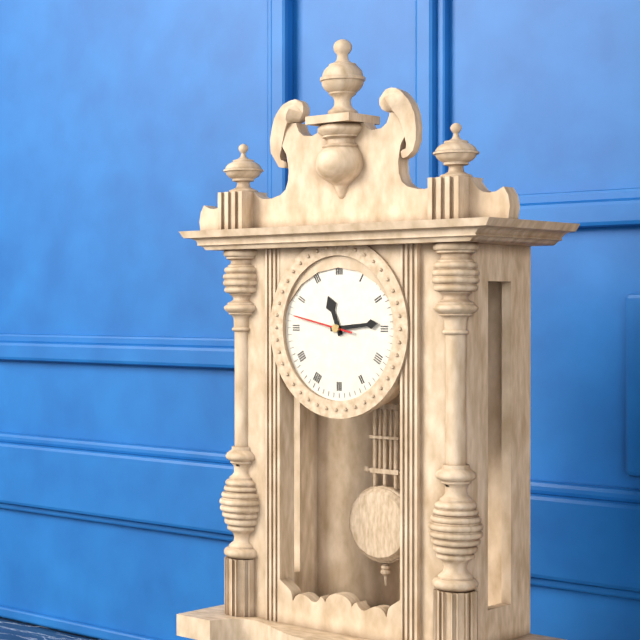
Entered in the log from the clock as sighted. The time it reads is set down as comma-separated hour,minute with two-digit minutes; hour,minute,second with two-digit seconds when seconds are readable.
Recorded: 11,14,47
